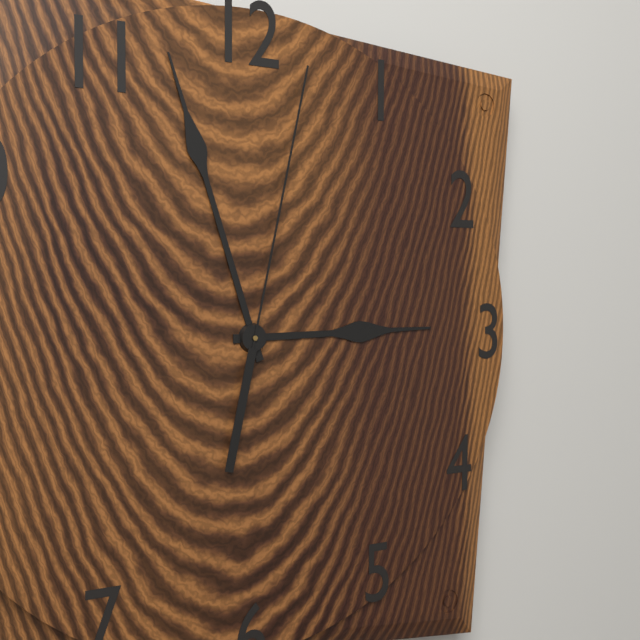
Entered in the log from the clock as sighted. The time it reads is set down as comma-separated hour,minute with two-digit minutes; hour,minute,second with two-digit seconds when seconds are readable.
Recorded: 2,57,02
